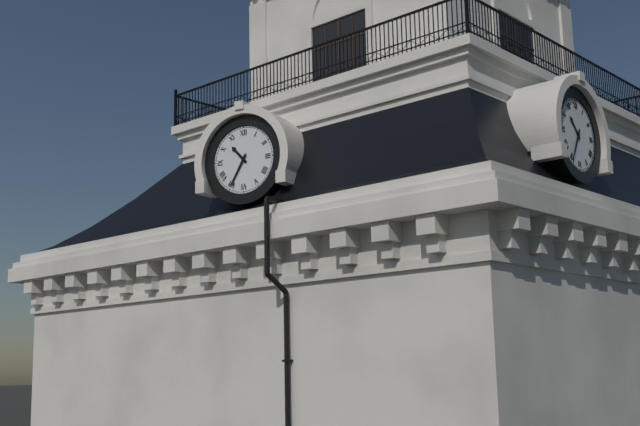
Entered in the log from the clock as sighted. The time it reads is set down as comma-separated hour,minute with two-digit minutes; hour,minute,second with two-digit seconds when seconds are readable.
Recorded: 10,35
